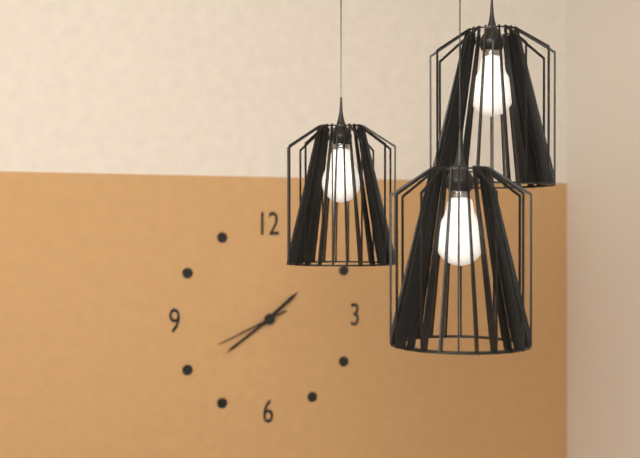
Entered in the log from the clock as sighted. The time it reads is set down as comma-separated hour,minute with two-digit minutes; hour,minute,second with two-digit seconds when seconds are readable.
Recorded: 1,39,41
